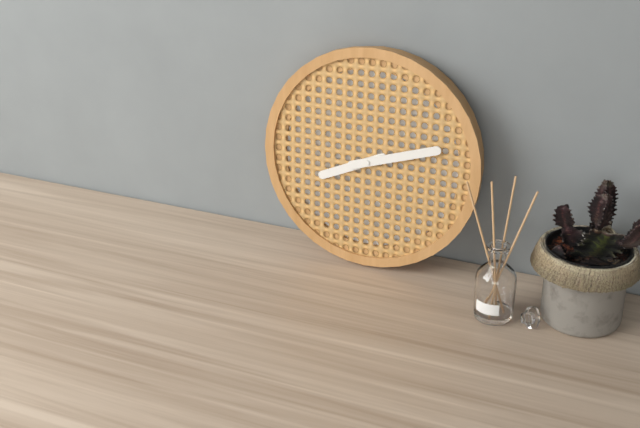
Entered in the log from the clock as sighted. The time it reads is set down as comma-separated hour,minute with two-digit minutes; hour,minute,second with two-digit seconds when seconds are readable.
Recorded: 8,12
